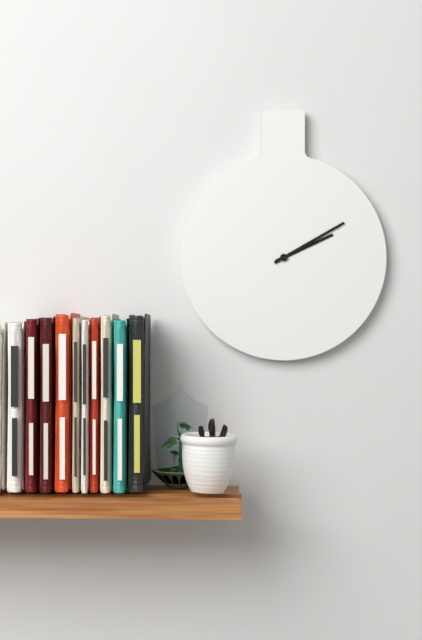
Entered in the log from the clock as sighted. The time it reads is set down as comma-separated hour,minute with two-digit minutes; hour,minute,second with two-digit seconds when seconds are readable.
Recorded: 2,10
